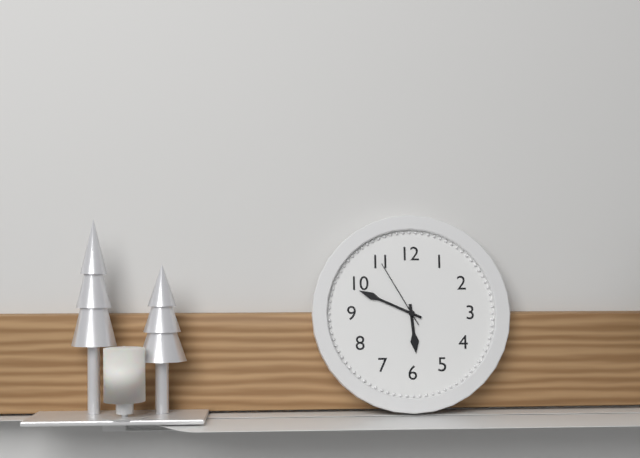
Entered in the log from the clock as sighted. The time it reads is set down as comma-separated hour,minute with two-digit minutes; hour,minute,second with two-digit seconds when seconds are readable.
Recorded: 5,49,55
